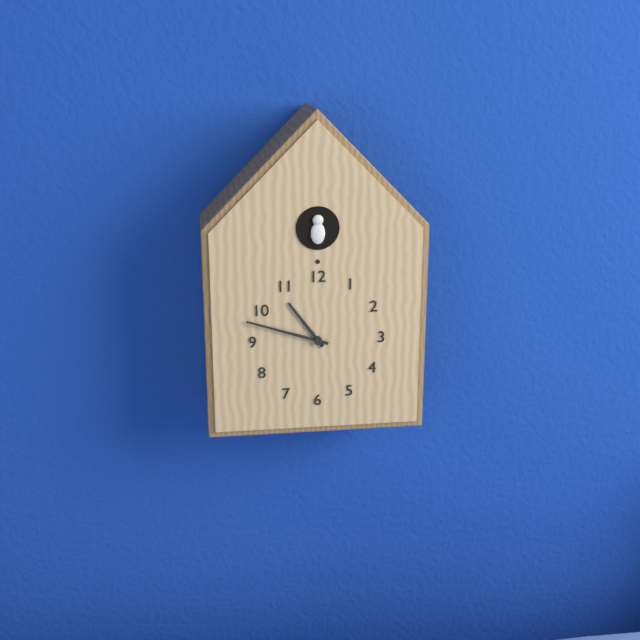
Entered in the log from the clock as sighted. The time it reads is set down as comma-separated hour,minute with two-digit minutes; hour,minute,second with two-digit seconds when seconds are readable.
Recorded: 10,48
